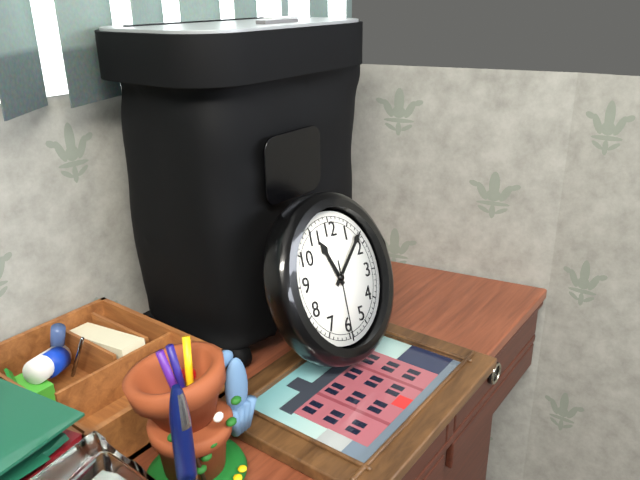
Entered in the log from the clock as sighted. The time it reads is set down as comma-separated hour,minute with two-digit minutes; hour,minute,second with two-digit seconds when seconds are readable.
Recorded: 11,08,30
